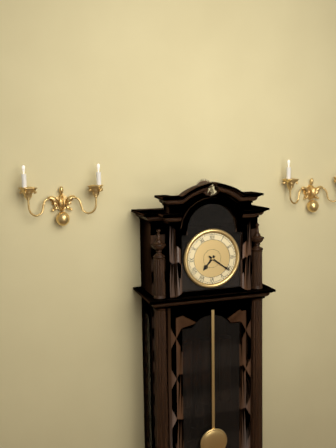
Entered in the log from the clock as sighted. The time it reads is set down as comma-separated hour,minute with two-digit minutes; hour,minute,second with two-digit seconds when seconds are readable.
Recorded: 7,21
